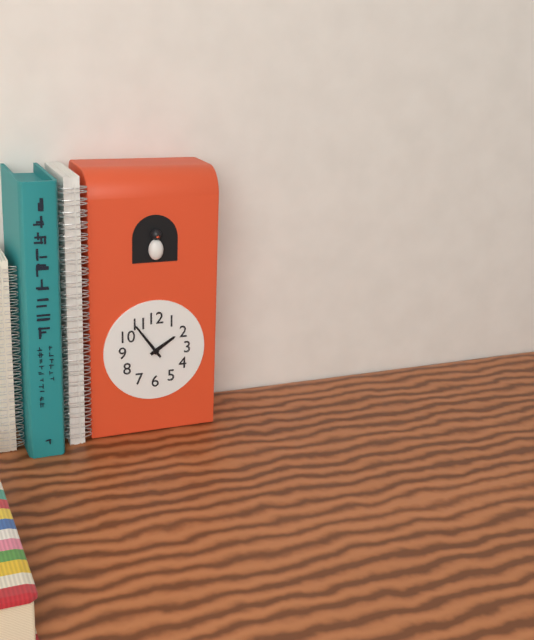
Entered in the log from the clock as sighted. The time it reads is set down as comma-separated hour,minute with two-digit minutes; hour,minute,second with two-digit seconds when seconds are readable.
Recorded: 1,54
